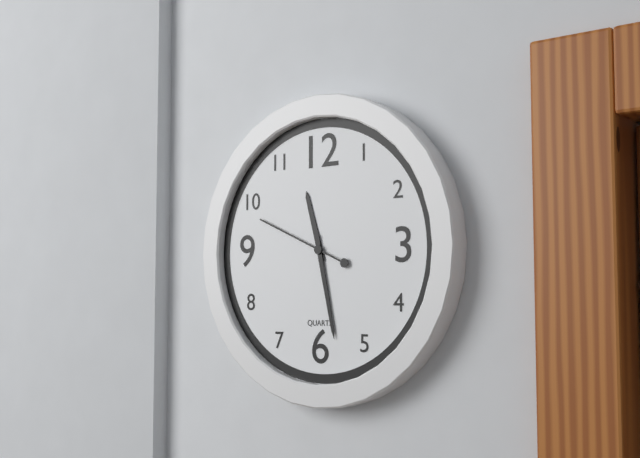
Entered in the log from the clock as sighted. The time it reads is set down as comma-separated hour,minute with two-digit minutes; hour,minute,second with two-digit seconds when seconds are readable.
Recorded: 11,28,49
